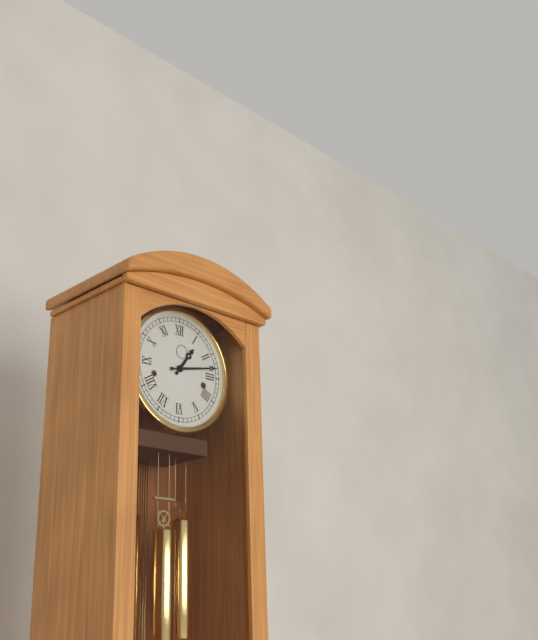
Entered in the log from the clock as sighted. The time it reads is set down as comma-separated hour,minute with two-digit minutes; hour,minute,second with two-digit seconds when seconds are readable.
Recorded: 1,13
